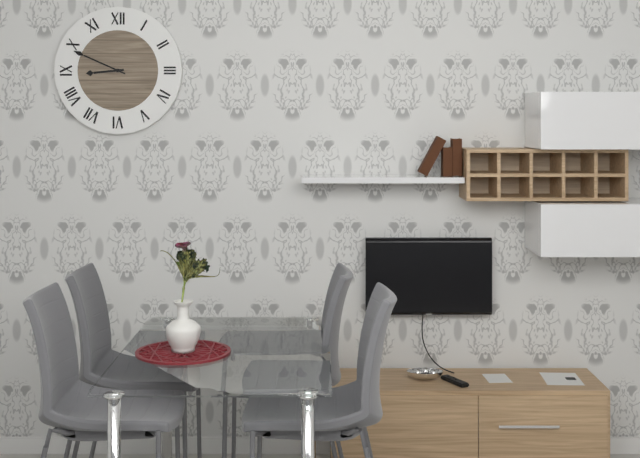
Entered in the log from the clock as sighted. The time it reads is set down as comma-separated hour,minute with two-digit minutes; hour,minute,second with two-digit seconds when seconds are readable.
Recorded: 8,49
